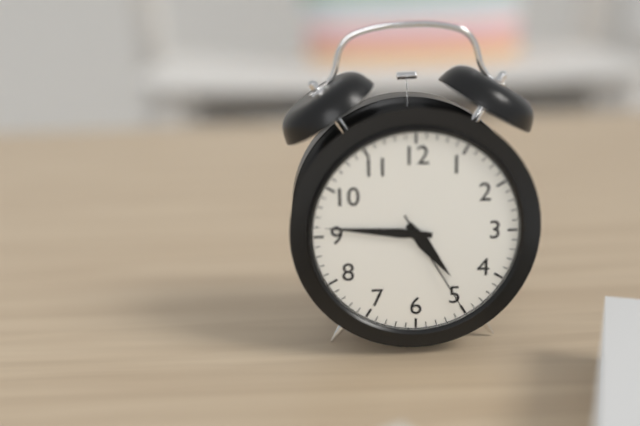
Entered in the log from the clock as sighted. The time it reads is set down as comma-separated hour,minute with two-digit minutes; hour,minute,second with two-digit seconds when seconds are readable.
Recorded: 4,46,25
